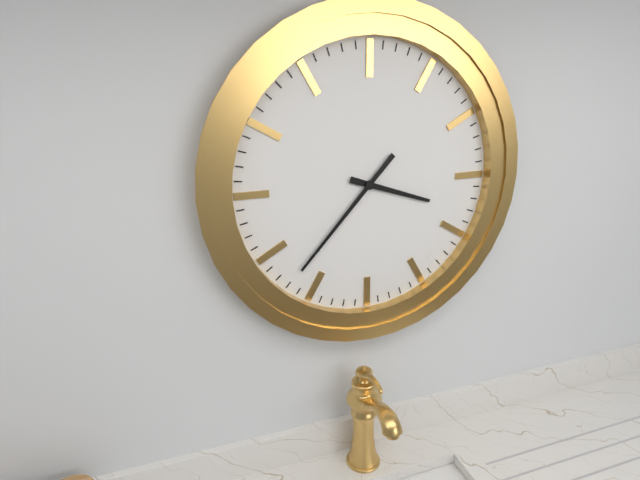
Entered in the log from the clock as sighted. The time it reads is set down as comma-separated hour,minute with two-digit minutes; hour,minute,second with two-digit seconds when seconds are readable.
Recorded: 3,37
